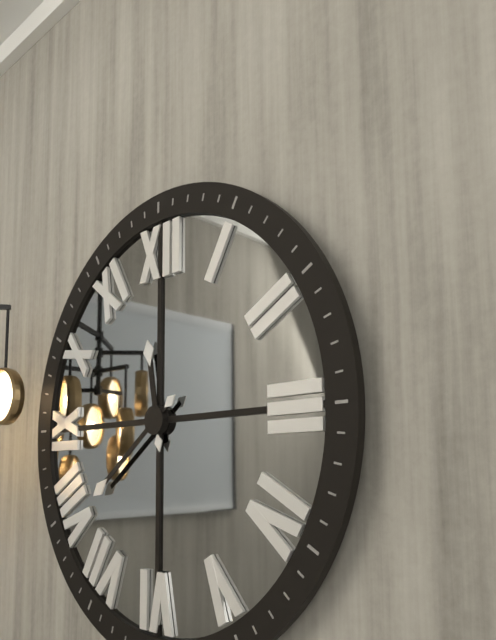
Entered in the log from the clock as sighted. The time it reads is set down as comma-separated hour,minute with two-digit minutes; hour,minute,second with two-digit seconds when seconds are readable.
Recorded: 11,39
